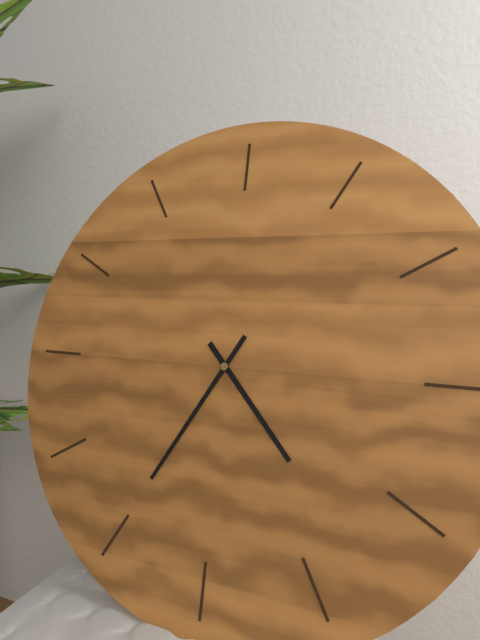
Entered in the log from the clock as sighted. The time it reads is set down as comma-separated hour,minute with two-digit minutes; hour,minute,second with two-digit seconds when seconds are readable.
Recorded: 4,35
